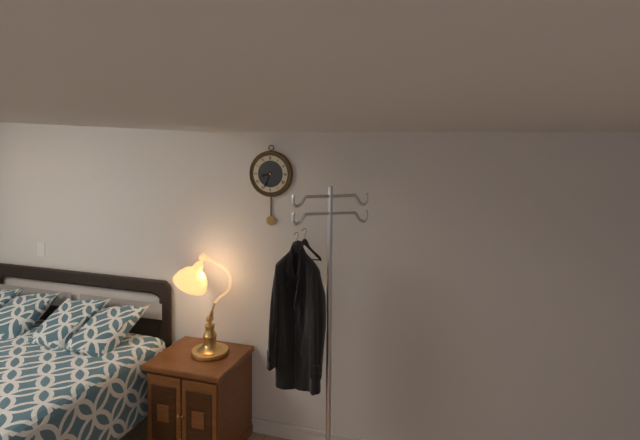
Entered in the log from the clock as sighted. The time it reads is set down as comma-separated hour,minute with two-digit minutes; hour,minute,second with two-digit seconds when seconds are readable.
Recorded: 8,34
